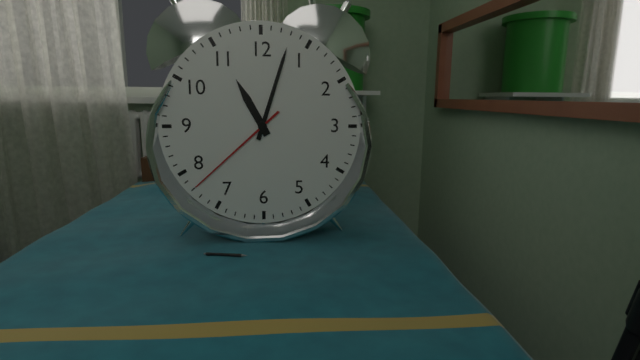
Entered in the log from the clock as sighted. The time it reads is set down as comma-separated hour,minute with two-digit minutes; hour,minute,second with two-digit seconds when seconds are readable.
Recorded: 11,03,38
